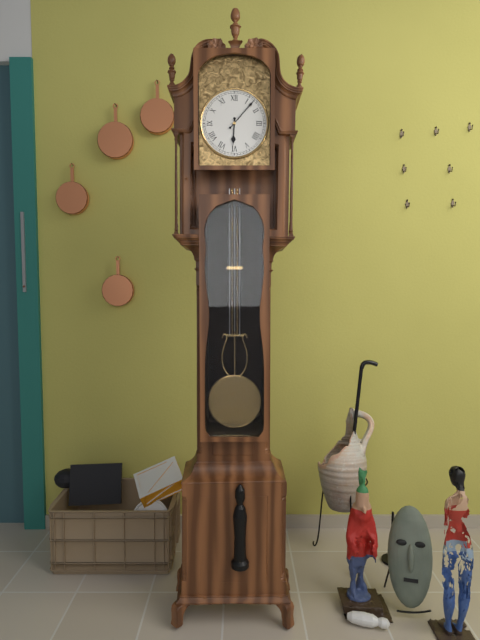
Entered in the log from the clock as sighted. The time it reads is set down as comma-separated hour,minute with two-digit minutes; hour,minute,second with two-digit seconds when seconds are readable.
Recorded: 6,07
